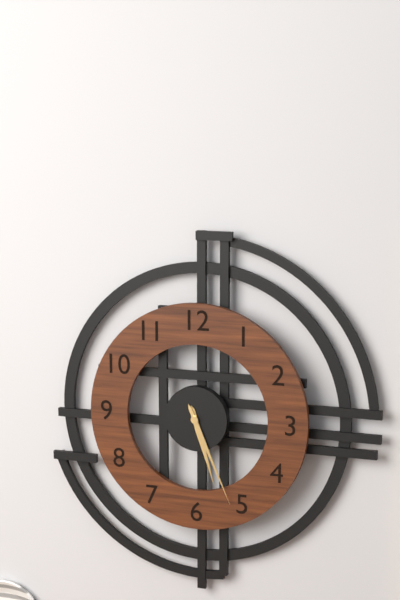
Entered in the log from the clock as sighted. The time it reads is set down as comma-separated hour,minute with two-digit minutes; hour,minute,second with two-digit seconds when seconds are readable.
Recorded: 5,26
